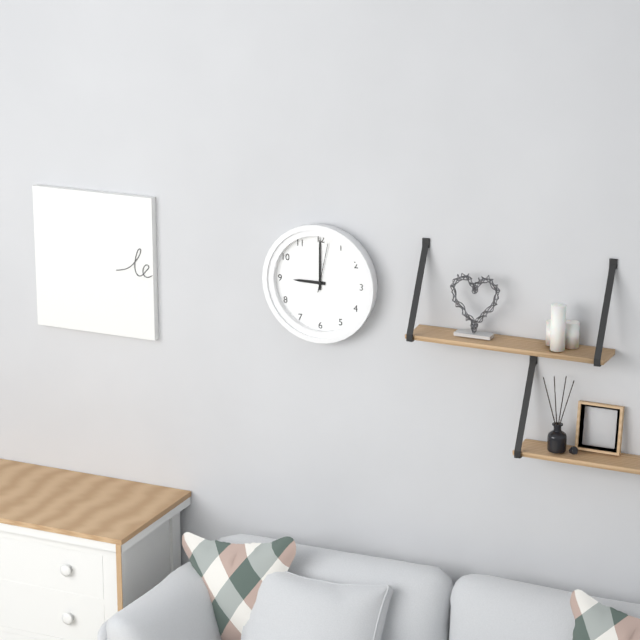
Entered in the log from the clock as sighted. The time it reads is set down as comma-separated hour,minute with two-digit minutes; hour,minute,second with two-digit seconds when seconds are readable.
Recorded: 9,00,02
